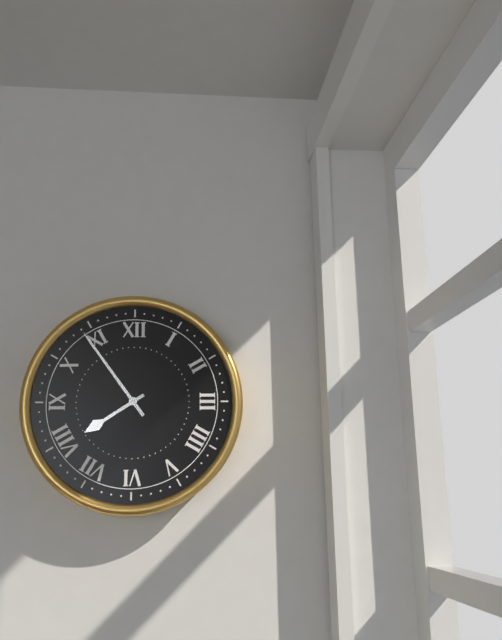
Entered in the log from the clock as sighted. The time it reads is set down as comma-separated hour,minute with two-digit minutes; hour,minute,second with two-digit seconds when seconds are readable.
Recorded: 7,54
